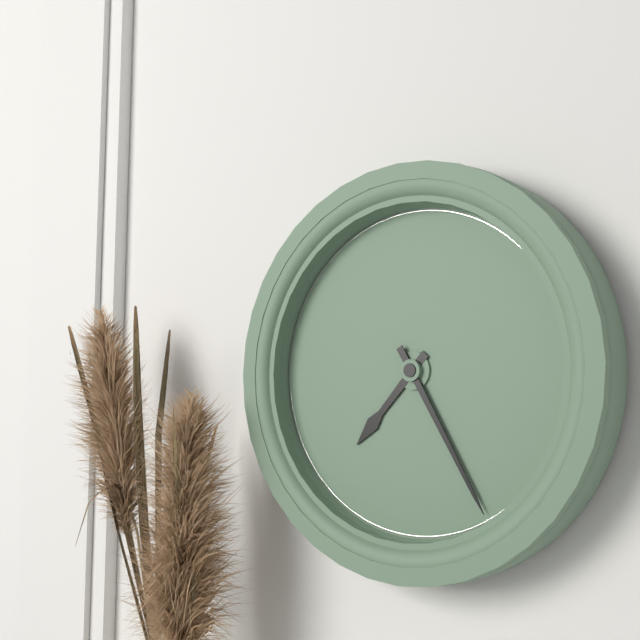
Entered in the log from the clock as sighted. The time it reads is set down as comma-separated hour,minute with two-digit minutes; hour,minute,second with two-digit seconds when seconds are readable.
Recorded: 7,25
